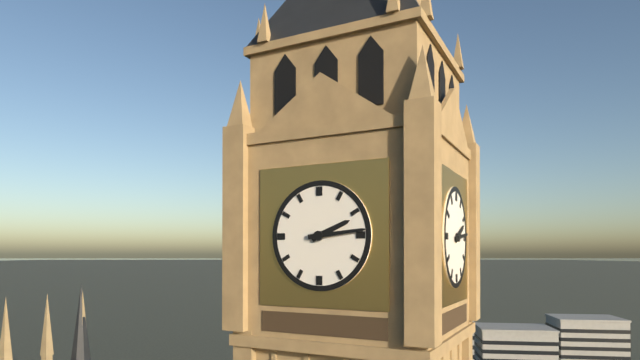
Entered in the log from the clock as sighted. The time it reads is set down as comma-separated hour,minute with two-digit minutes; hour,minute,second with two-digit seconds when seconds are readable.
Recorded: 2,14
